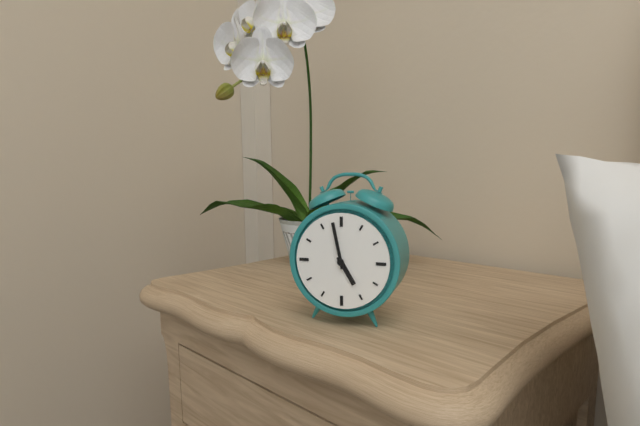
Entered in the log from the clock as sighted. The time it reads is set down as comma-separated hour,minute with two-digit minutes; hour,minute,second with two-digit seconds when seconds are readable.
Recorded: 4,58
